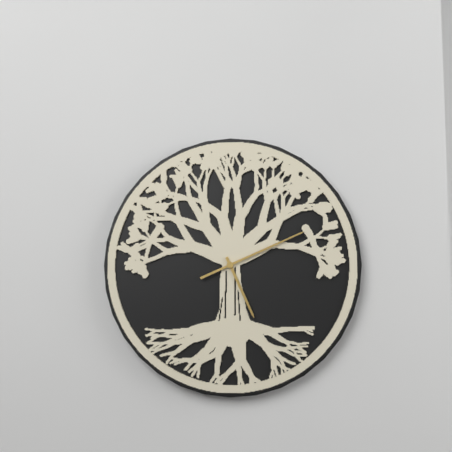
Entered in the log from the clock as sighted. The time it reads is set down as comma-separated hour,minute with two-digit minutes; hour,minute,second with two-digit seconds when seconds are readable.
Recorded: 5,11
